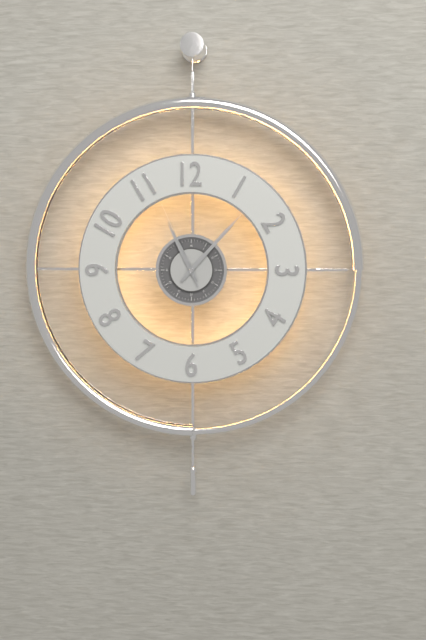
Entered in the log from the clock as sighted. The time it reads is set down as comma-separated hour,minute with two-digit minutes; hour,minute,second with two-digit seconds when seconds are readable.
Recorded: 11,07,56
